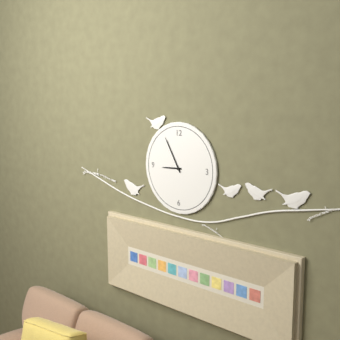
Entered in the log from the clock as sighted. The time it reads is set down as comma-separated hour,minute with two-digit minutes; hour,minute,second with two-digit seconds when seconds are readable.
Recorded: 8,55
